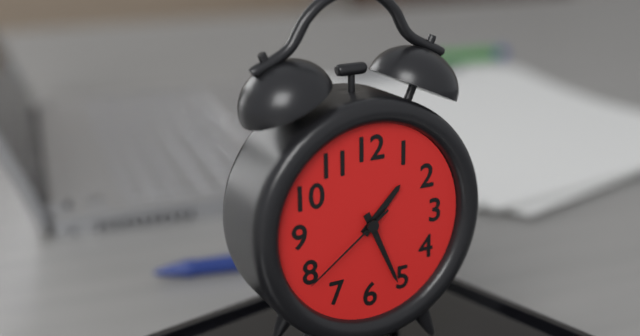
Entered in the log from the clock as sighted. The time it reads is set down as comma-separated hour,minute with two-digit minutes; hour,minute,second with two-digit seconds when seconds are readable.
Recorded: 1,26,39
